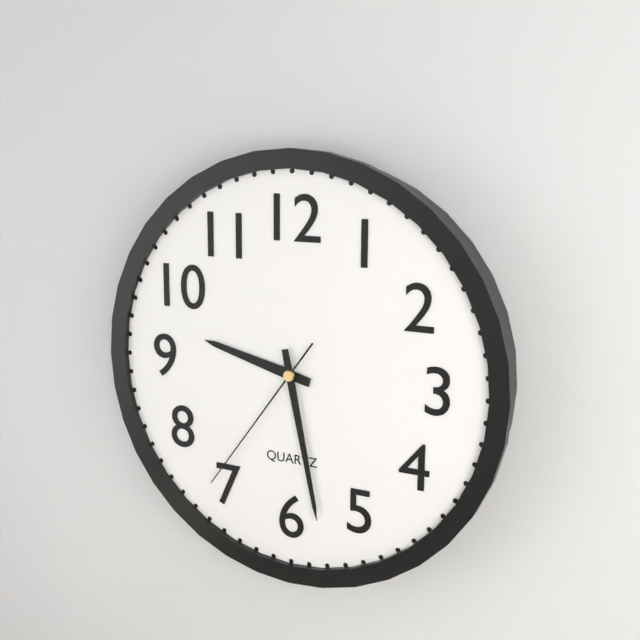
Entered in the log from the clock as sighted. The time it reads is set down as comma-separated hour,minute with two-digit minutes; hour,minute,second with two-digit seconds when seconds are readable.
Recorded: 9,28,36
